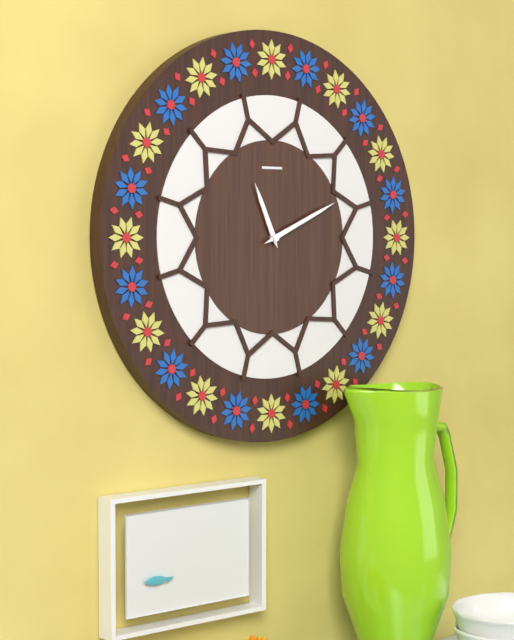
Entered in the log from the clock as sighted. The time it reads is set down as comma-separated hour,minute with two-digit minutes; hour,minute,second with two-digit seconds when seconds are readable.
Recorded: 11,11
